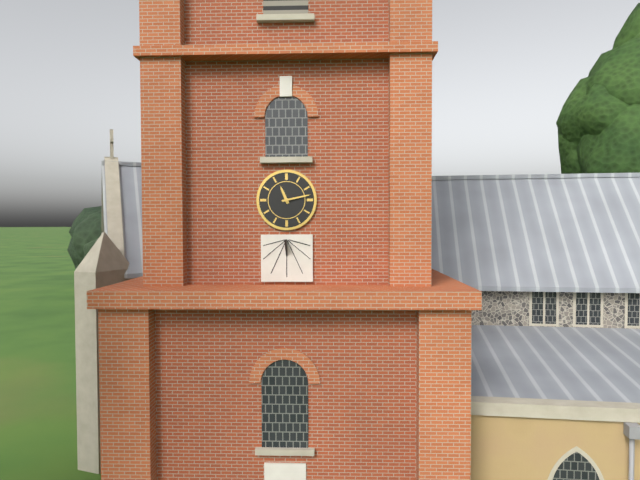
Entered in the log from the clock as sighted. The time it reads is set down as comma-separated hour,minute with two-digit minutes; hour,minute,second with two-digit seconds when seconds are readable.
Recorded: 11,13
